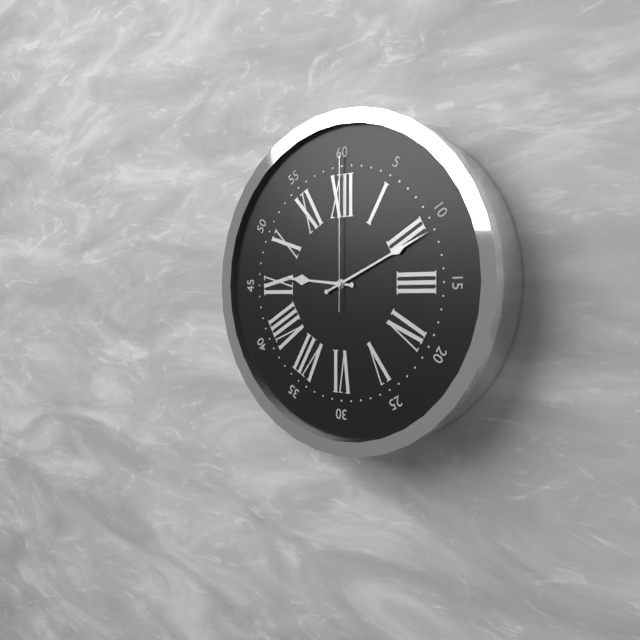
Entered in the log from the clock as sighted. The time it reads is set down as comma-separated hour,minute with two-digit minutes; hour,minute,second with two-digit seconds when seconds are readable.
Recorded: 9,11,00
